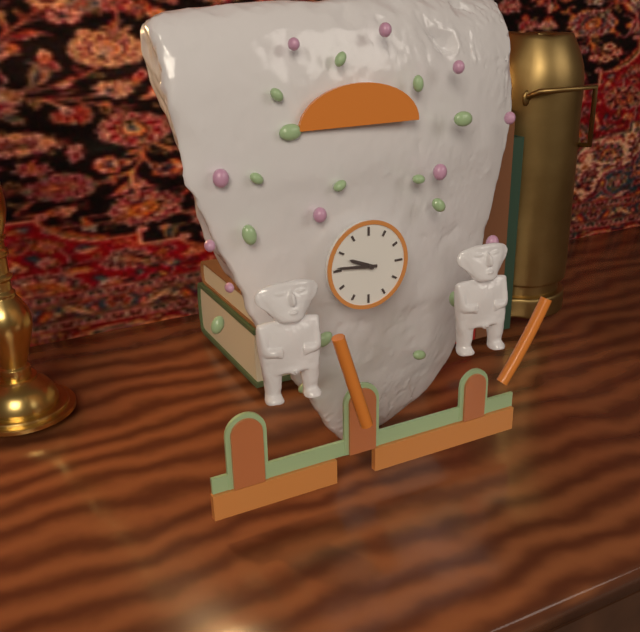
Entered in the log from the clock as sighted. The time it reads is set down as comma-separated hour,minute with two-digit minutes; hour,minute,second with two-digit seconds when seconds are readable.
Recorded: 9,46
